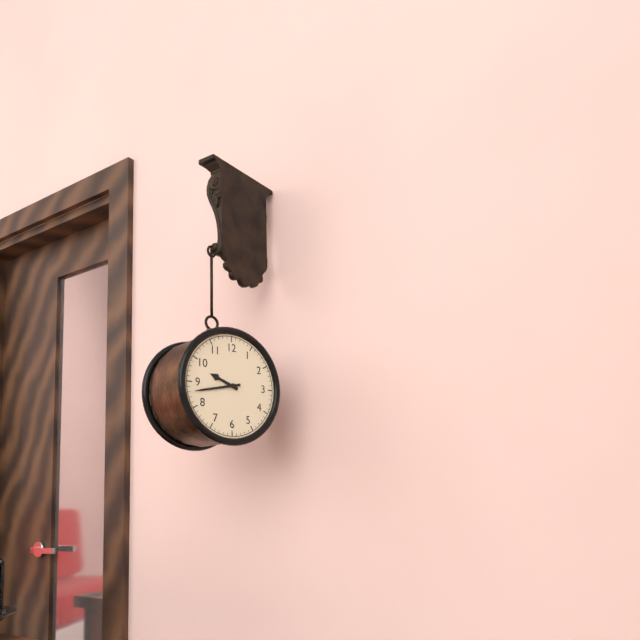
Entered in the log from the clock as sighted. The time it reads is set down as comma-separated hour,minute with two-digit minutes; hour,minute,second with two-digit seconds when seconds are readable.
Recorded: 9,43
